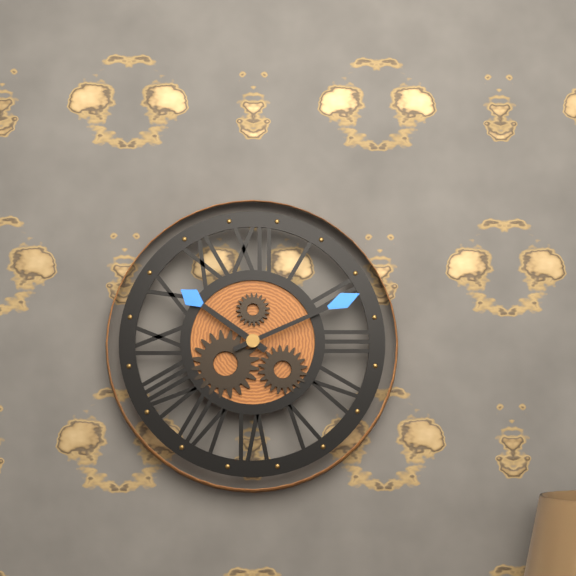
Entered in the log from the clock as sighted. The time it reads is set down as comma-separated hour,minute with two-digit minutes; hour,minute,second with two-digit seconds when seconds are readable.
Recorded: 10,11
